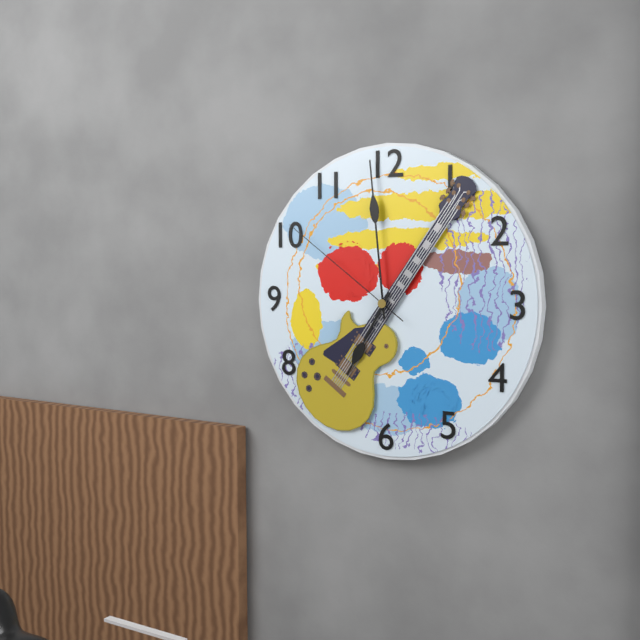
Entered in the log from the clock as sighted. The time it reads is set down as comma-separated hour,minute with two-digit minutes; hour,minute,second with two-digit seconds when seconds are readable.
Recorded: 6,59,51
